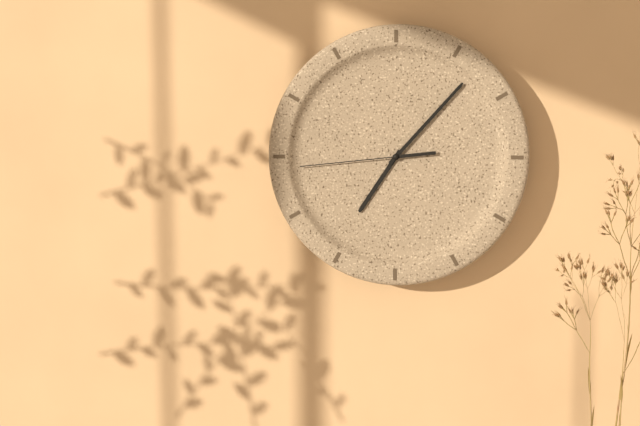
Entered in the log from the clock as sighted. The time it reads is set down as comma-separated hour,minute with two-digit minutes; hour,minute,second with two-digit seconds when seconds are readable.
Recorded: 7,07,44
